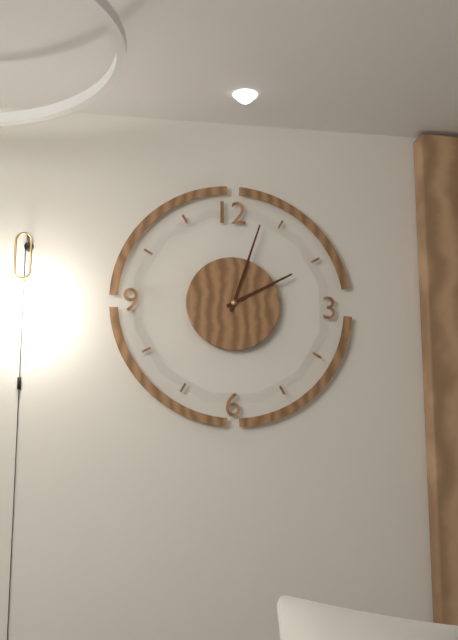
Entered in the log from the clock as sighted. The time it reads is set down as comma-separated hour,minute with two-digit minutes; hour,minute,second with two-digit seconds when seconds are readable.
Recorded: 2,03
